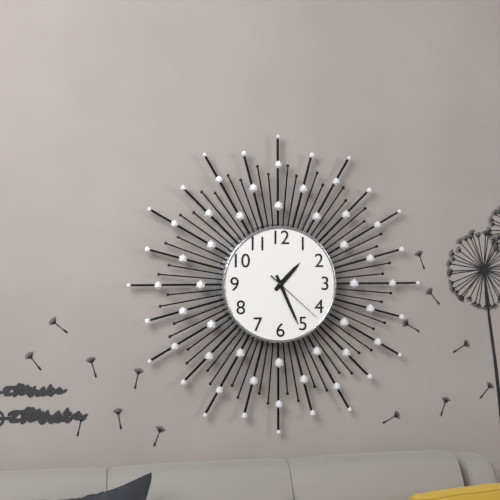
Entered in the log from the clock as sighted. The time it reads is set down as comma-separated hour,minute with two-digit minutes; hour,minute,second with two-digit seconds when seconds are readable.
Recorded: 1,26,22
